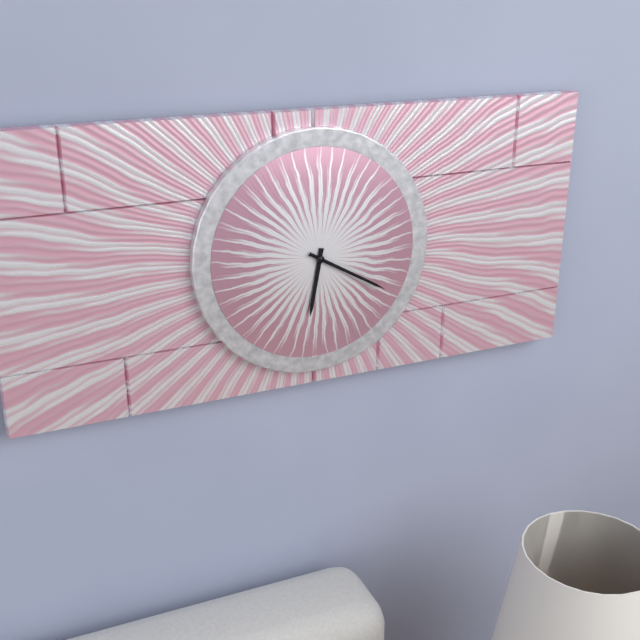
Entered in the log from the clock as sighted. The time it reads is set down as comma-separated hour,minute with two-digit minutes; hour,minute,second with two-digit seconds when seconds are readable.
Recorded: 6,20
